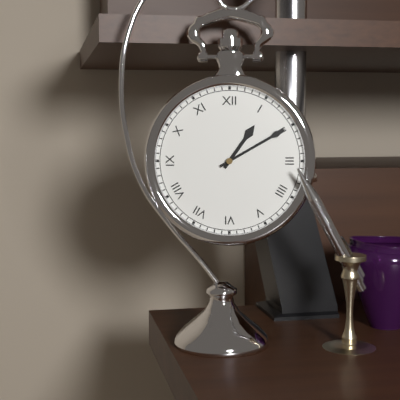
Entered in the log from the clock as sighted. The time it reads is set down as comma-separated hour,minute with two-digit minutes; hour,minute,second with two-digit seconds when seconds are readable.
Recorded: 1,10
